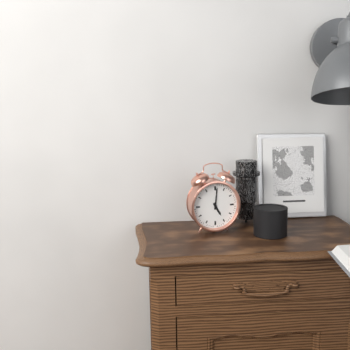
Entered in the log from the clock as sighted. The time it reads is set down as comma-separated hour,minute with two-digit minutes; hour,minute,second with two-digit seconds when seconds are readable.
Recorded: 5,01
